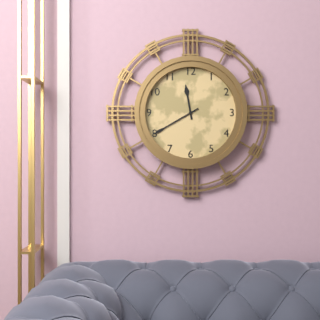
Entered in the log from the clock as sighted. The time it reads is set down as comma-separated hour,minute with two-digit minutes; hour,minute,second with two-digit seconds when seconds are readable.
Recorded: 11,40
